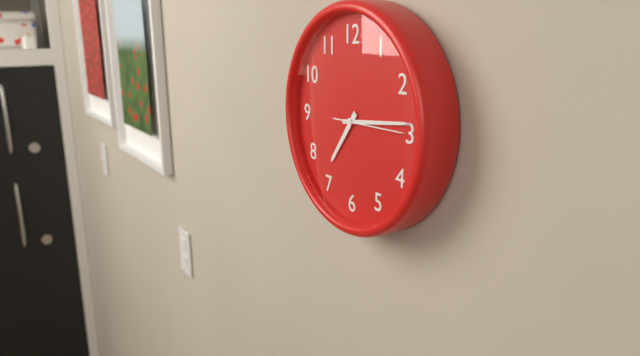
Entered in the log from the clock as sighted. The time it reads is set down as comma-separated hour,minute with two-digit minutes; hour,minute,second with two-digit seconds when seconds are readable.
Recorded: 7,14,15
